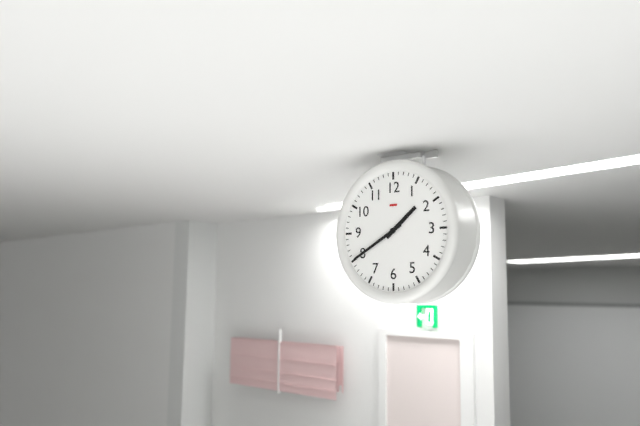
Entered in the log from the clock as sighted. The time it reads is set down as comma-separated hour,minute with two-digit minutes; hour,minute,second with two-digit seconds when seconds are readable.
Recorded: 1,40
